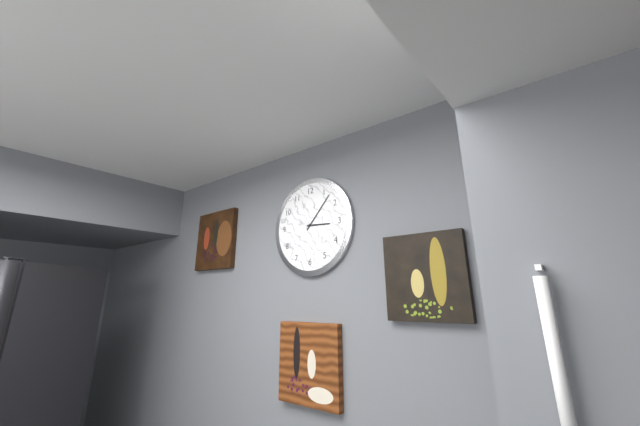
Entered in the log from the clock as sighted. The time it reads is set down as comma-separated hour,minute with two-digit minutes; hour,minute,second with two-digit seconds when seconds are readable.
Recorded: 3,07
